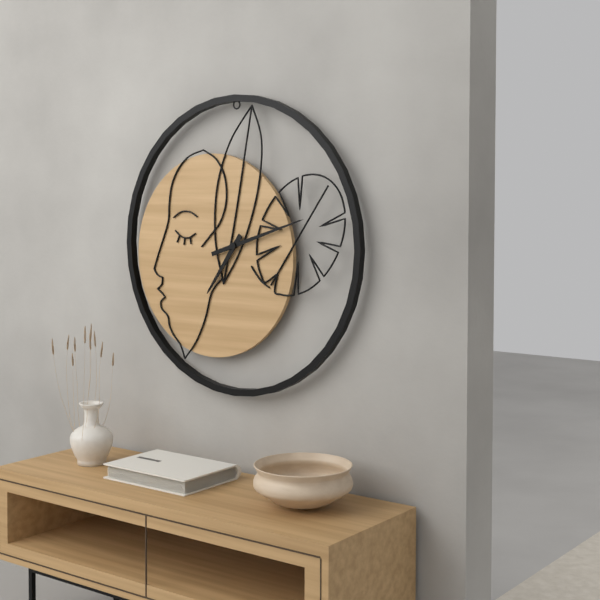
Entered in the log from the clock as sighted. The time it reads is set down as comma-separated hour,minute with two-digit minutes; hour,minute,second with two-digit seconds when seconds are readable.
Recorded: 7,12
